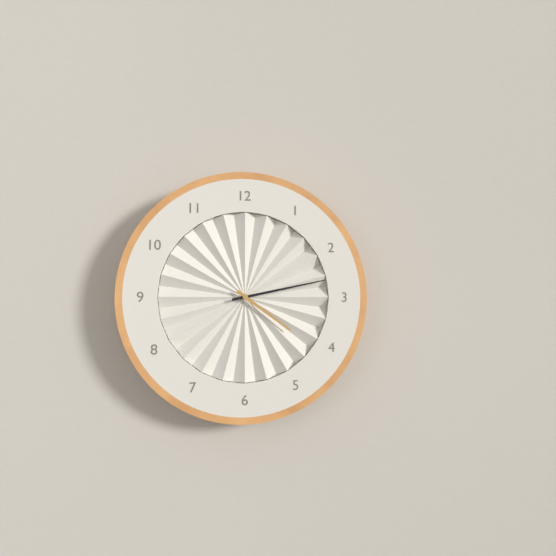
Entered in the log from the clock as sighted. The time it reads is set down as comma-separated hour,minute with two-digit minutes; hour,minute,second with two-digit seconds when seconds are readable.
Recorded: 4,13
